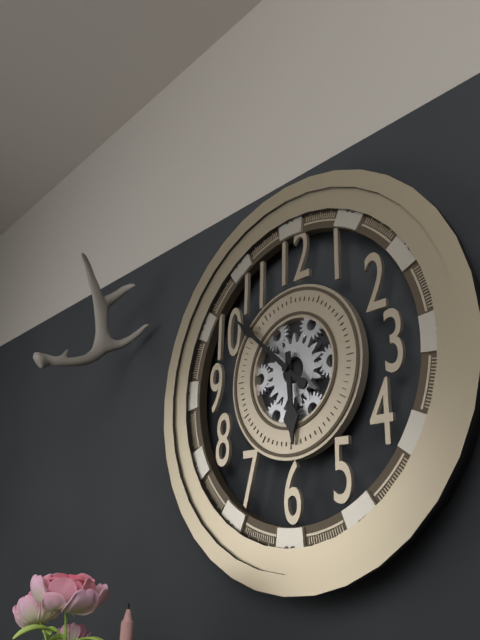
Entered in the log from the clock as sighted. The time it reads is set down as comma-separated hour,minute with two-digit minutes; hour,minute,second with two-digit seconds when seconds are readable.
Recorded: 5,52
